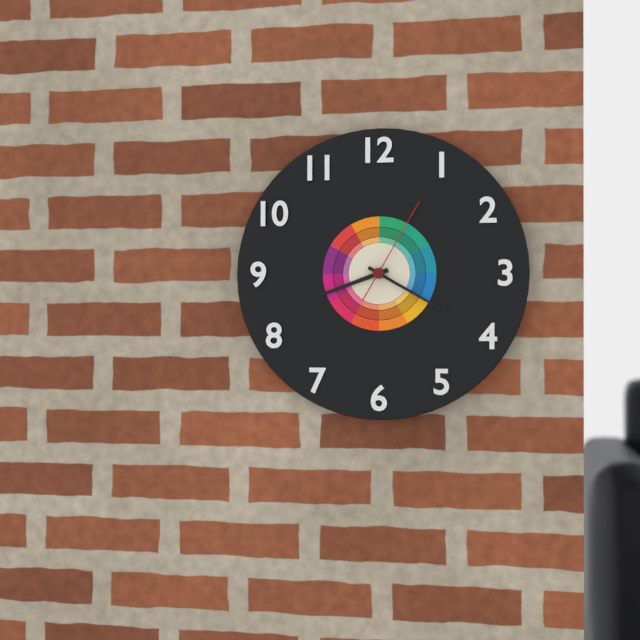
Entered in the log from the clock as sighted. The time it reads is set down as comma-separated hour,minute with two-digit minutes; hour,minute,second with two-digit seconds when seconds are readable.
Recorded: 8,20,05
